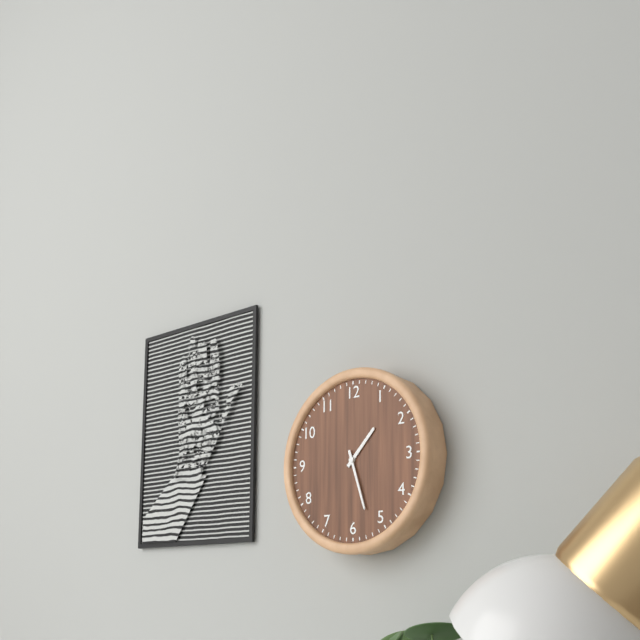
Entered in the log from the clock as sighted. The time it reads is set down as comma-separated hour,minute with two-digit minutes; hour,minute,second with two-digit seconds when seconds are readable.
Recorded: 1,27
